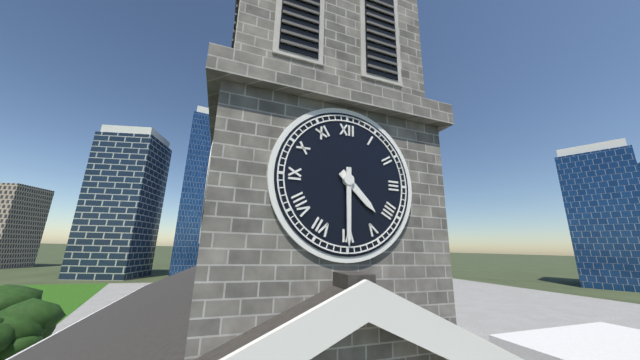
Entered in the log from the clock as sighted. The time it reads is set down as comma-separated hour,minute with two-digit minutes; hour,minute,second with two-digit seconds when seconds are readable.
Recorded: 4,30
